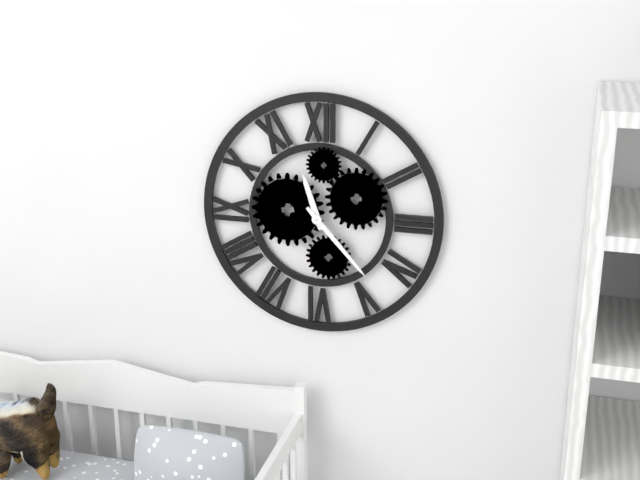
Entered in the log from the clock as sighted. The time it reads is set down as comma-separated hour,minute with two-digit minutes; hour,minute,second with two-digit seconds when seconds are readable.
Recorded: 11,23
